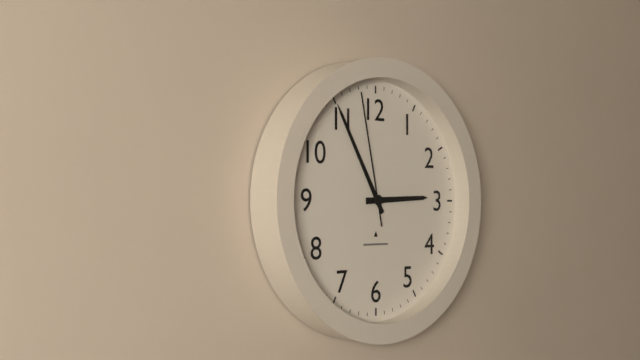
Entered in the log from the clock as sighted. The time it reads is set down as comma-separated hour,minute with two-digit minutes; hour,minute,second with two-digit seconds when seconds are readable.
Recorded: 2,55,58
